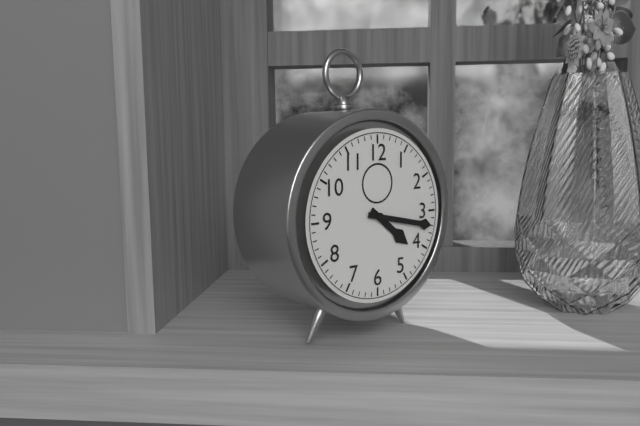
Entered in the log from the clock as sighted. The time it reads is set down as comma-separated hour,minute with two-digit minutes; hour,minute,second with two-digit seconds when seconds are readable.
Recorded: 4,17
